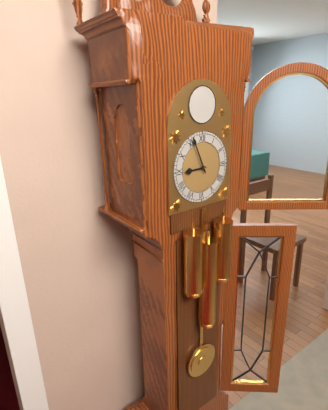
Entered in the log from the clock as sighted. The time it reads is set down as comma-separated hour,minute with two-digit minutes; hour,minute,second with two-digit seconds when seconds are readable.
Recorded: 8,56
